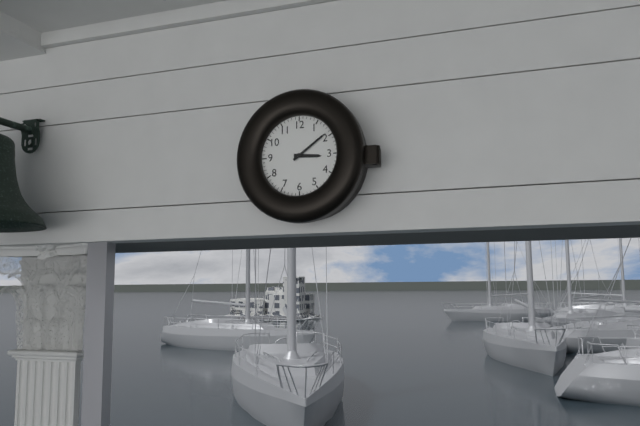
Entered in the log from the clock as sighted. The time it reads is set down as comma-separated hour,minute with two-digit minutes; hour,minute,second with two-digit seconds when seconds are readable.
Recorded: 3,09
